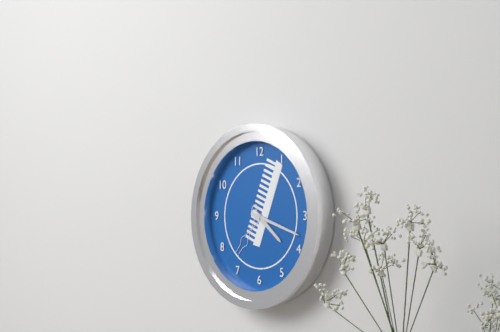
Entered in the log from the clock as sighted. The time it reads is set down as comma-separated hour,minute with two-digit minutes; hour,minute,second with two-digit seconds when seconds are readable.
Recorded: 4,18
